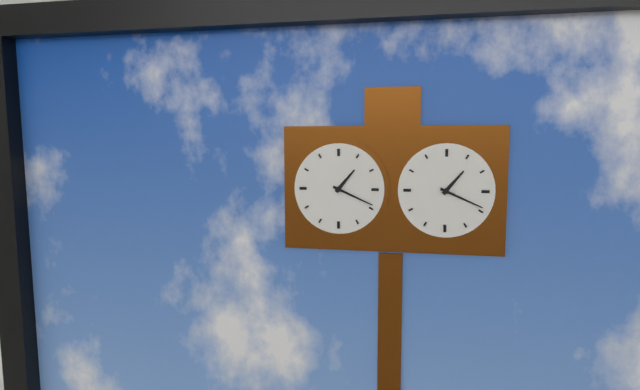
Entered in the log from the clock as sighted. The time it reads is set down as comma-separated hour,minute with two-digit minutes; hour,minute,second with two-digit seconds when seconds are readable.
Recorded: 1,19
